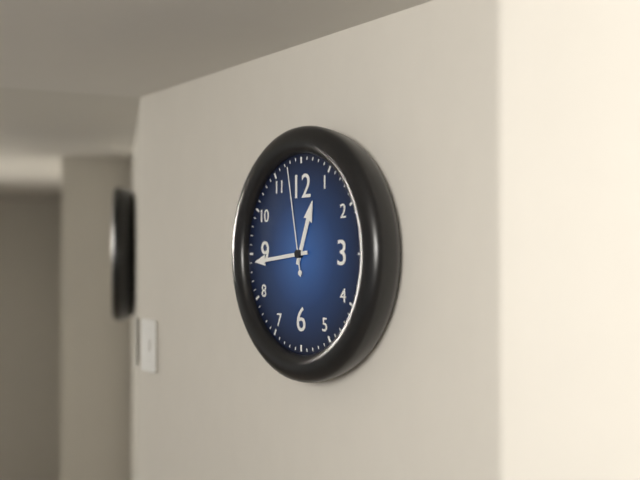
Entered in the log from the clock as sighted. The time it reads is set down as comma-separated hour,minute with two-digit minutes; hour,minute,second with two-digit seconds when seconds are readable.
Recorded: 12,44,58
